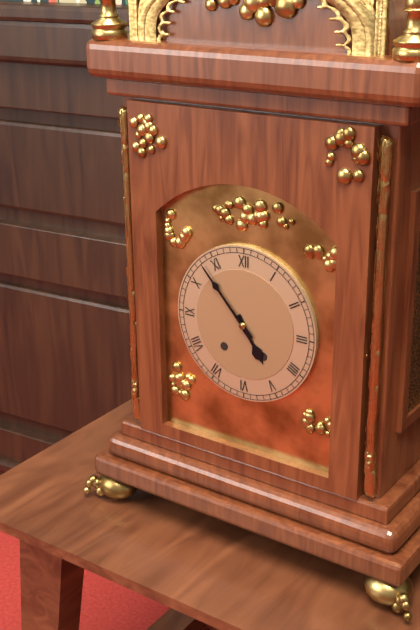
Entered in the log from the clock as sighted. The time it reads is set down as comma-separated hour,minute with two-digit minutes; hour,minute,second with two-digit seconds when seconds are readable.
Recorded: 4,53
